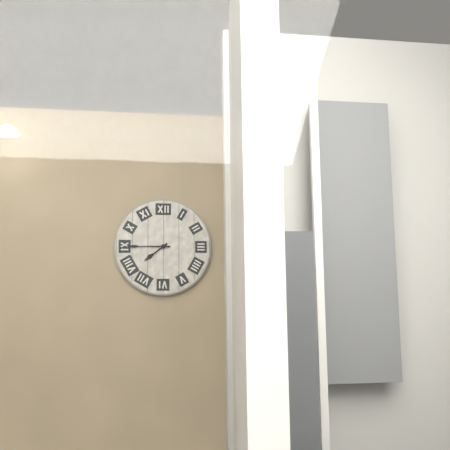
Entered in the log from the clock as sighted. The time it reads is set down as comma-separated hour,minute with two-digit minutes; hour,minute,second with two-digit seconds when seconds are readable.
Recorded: 7,45
